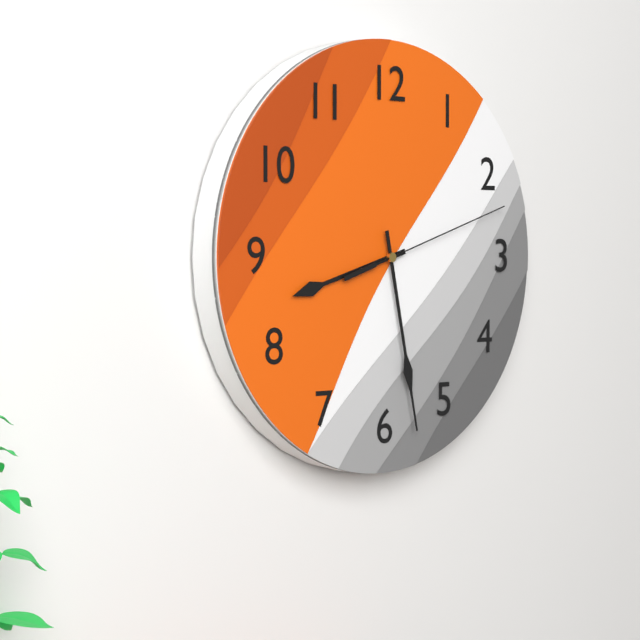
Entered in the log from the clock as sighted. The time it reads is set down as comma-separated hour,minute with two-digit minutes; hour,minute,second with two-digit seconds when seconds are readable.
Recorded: 8,28,12
